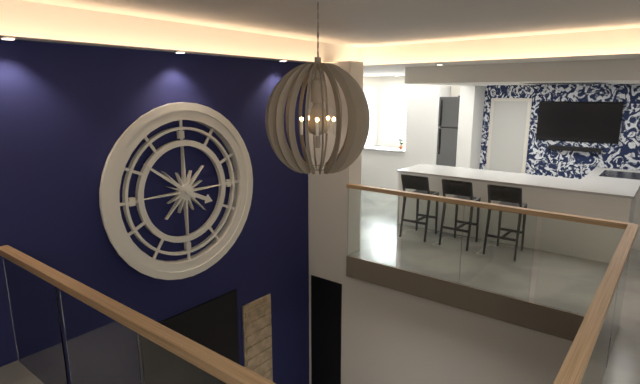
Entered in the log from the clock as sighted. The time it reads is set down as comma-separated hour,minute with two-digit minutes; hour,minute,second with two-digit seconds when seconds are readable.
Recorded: 3,51
